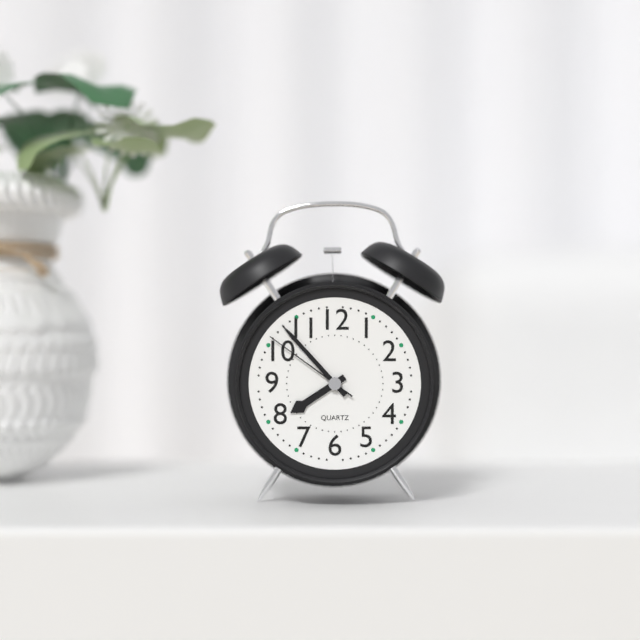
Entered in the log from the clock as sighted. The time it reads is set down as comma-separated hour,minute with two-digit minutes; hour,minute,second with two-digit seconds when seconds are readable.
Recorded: 7,53,51
